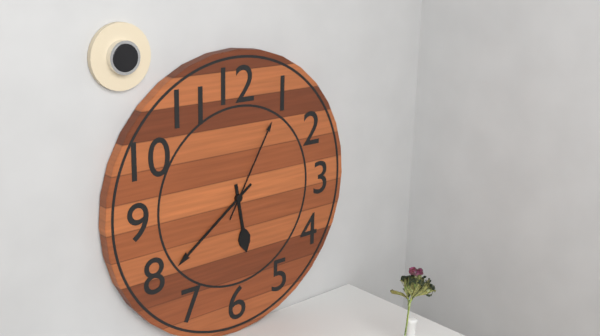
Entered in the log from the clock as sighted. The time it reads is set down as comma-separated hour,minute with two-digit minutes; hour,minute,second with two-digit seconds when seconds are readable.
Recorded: 5,39,05
